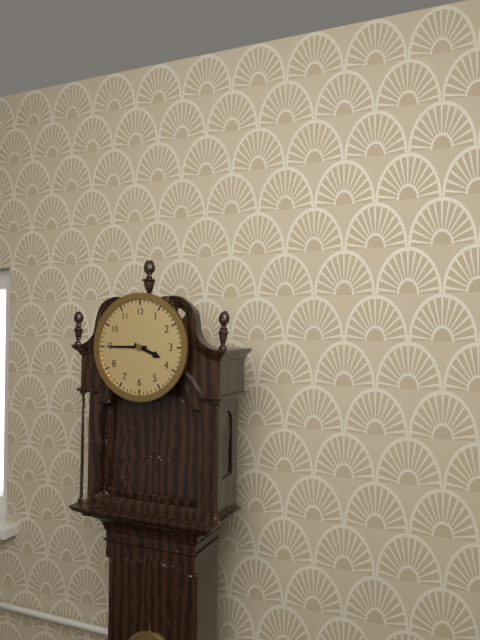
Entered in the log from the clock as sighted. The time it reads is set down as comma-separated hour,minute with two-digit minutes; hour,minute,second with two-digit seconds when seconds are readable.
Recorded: 3,45
